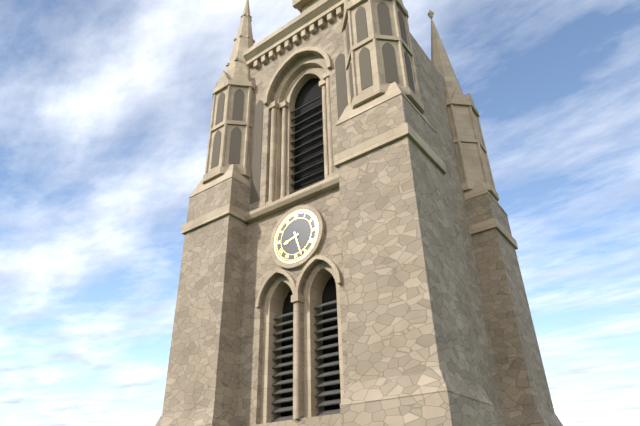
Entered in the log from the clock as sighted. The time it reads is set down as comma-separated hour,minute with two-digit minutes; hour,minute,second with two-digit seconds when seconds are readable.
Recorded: 8,27
